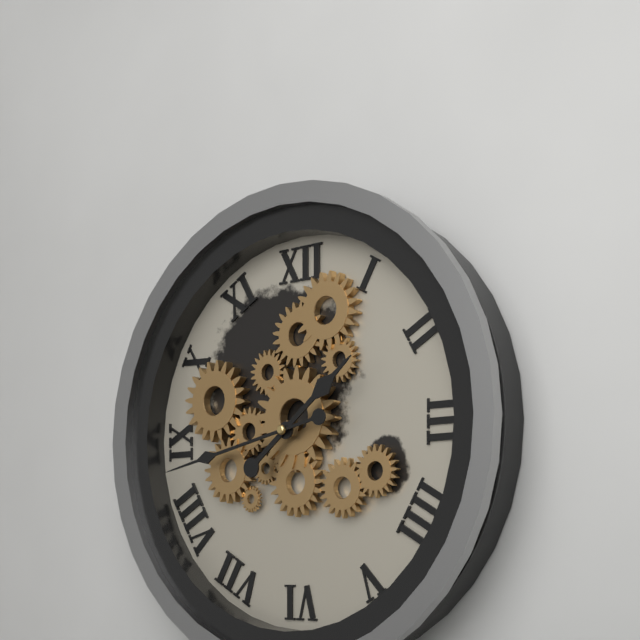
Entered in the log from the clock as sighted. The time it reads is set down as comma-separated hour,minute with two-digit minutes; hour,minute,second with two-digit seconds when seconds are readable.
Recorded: 1,43
